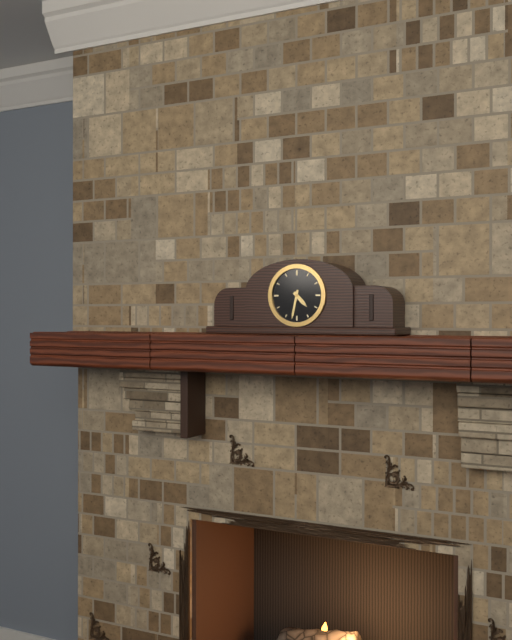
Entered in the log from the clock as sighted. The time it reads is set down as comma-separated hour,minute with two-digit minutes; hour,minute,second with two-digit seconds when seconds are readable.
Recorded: 4,32
